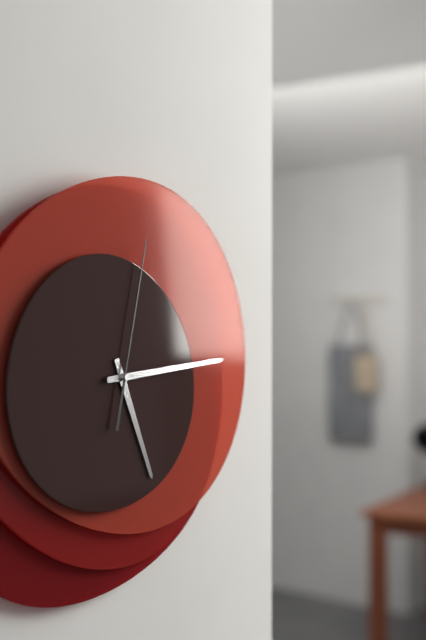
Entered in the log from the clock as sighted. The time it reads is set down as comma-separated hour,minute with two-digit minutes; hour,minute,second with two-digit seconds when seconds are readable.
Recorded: 5,14,02
